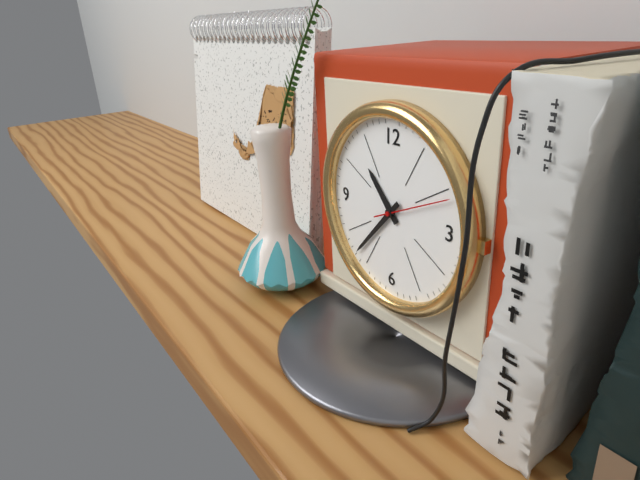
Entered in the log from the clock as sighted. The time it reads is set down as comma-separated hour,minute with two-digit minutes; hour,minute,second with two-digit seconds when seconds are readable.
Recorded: 10,37,11
